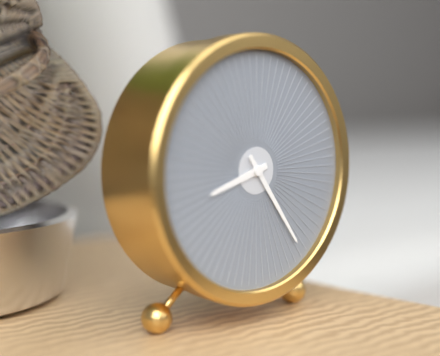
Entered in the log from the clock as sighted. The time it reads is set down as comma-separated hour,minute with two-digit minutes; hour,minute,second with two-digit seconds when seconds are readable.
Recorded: 8,24
